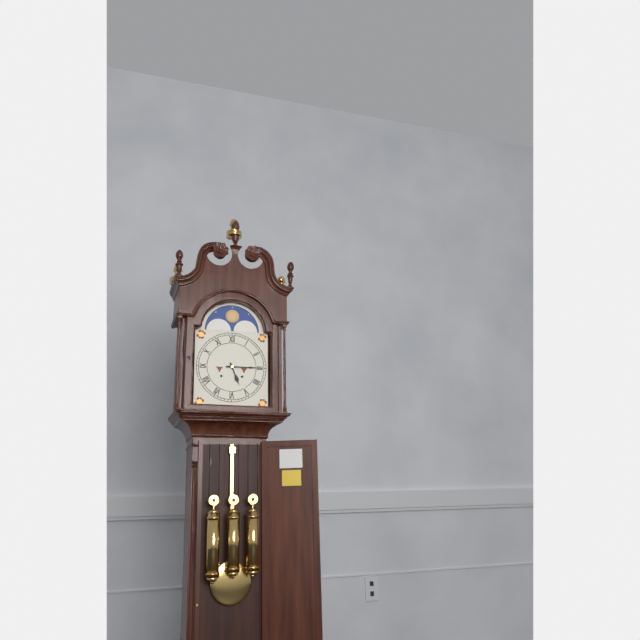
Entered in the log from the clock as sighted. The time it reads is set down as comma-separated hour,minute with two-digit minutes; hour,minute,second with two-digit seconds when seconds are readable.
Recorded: 5,15
